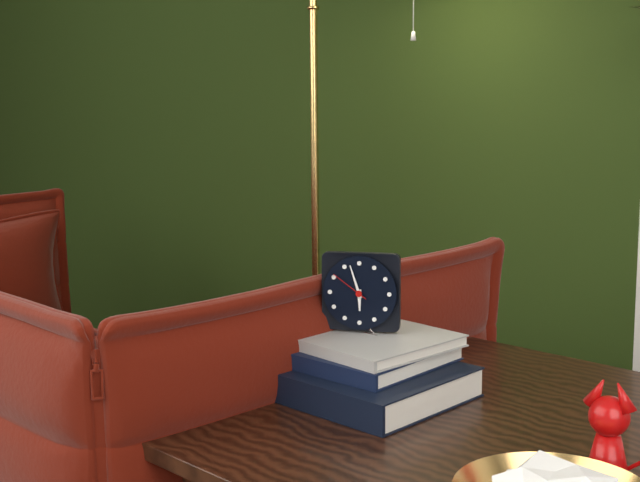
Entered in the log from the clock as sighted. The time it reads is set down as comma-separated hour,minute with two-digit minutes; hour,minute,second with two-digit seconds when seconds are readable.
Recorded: 5,57
